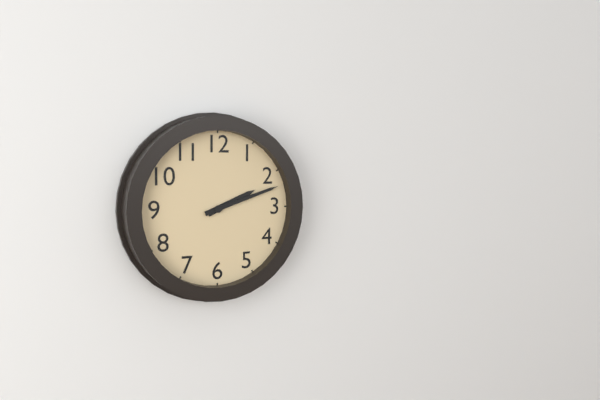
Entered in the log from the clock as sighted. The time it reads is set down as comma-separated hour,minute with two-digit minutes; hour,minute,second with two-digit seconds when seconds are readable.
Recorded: 2,12
